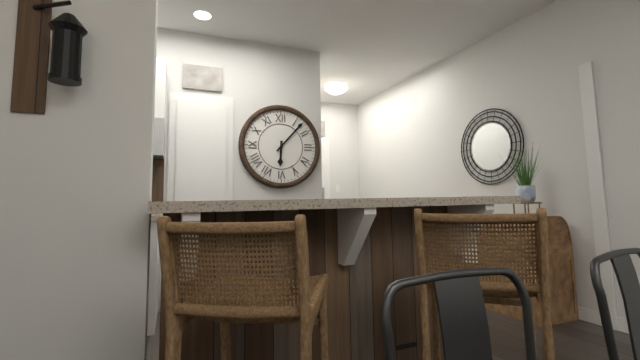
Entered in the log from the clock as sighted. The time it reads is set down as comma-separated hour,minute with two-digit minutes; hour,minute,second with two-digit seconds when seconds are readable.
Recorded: 6,07
